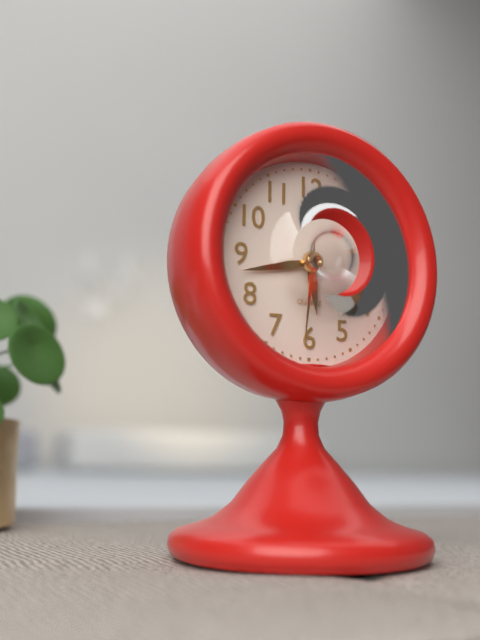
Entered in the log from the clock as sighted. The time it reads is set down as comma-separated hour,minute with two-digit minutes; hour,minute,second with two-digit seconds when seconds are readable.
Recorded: 5,43,31
